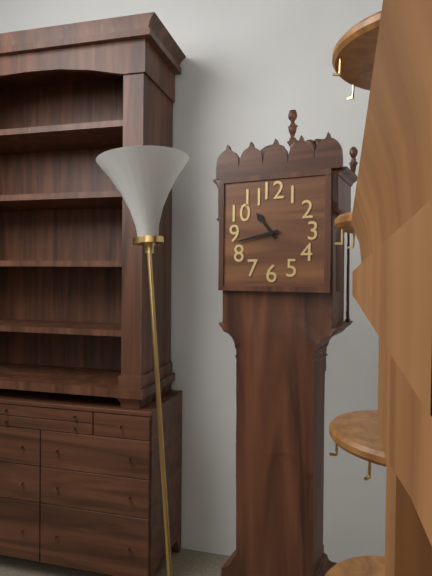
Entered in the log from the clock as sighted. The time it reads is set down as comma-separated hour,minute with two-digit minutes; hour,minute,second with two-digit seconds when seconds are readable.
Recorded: 10,43
